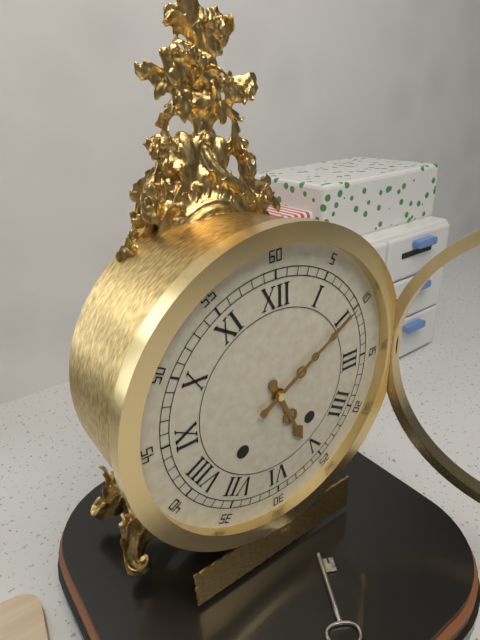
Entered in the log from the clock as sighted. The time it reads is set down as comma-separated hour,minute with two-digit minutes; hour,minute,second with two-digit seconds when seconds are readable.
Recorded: 5,10
